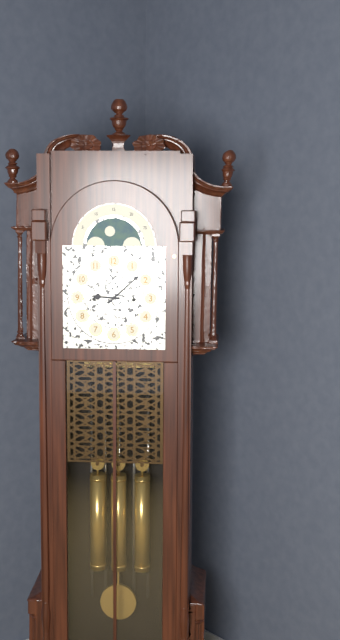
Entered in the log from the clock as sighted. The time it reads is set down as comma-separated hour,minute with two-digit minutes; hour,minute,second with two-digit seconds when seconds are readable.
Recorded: 9,08
